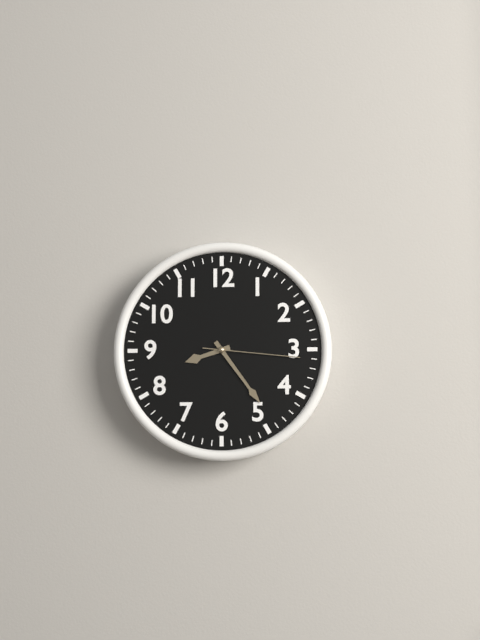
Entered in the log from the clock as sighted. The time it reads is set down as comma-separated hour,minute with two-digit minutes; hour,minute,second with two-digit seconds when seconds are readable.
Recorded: 8,24,16
